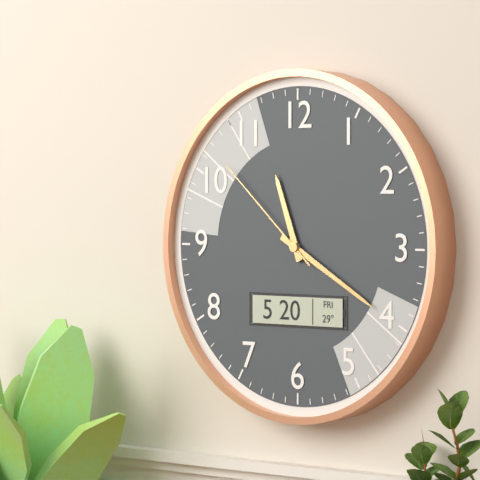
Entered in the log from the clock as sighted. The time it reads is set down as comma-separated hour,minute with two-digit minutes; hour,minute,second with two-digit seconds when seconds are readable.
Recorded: 11,20,52
